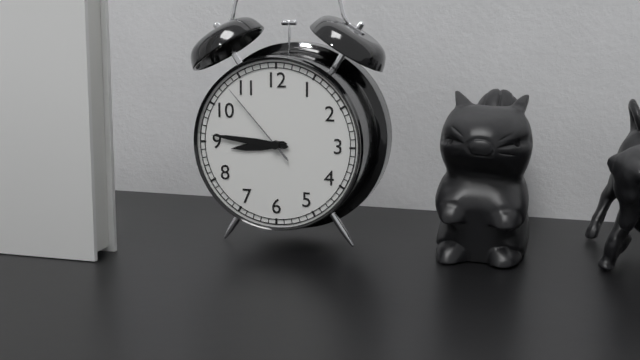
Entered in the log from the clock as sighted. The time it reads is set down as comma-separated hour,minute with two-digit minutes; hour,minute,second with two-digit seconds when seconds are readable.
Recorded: 8,46,53
